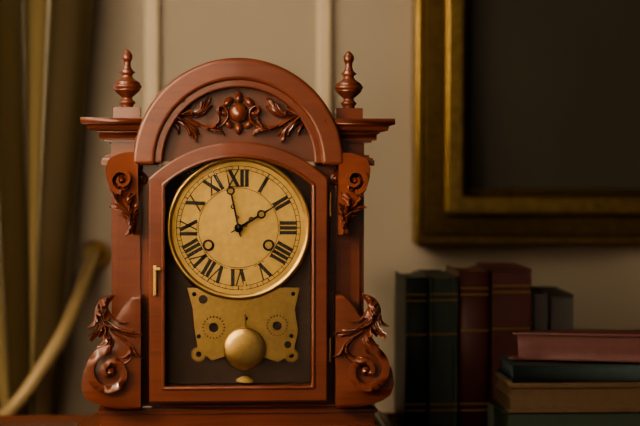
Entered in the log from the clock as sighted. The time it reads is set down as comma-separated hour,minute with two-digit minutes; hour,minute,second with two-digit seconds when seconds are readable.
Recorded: 1,58
